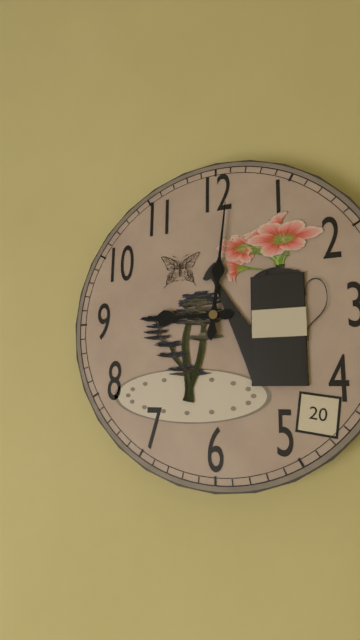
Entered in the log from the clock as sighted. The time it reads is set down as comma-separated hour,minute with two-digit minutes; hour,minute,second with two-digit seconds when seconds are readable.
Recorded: 9,01
